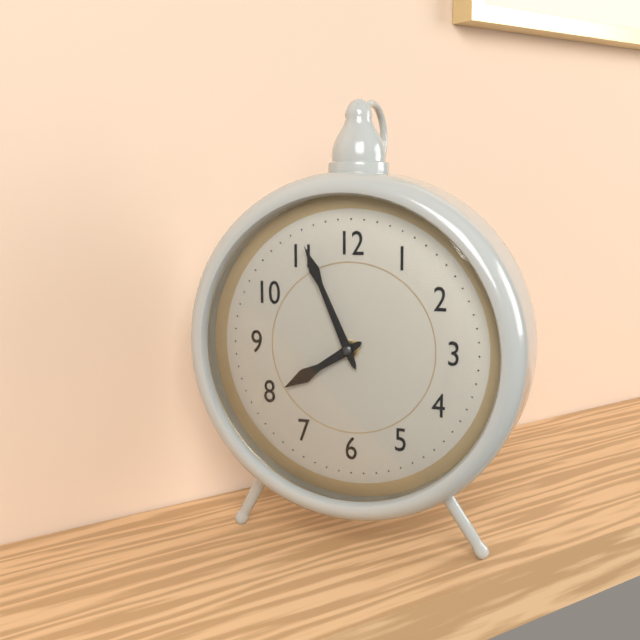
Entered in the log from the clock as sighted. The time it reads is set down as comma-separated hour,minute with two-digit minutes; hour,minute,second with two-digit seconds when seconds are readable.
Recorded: 7,56
